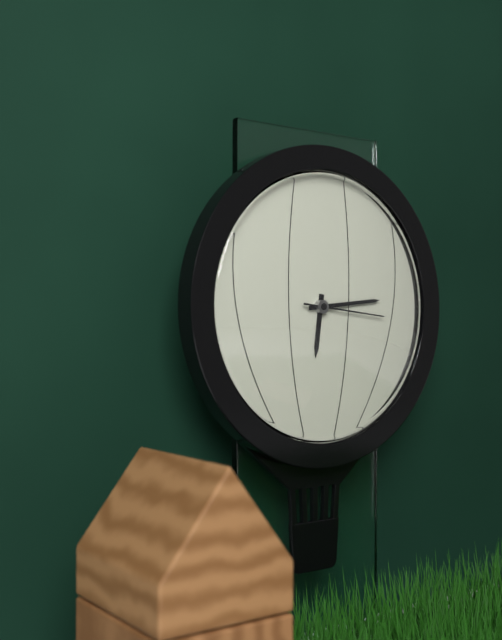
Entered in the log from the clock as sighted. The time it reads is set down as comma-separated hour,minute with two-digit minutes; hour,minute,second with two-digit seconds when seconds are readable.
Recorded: 6,14,16
